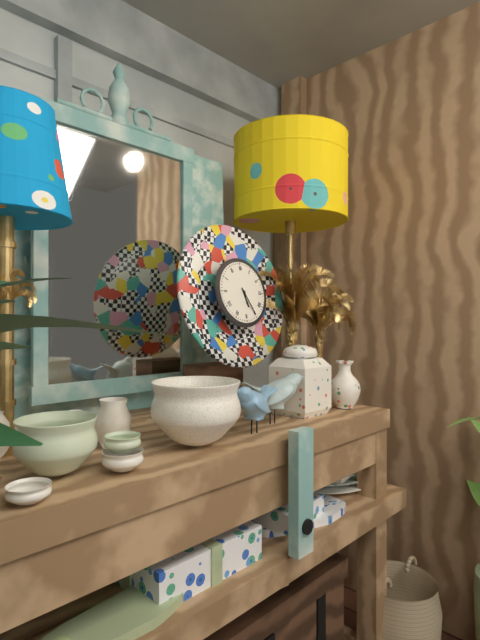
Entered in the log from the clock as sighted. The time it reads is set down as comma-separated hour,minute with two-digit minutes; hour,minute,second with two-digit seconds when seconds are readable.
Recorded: 5,25
